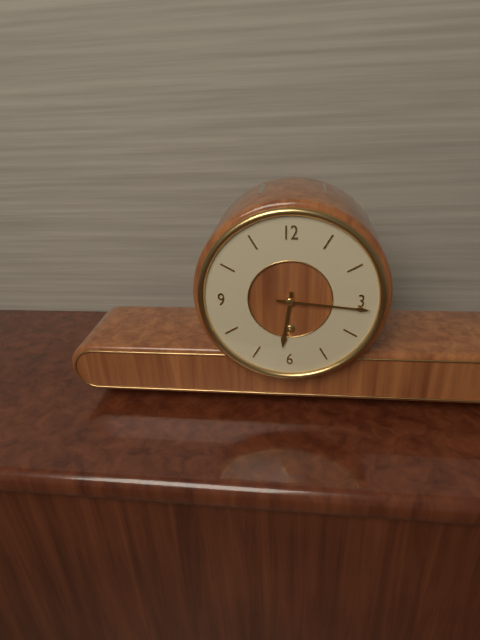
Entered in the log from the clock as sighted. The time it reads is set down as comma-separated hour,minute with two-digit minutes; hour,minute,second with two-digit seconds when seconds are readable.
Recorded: 6,16
